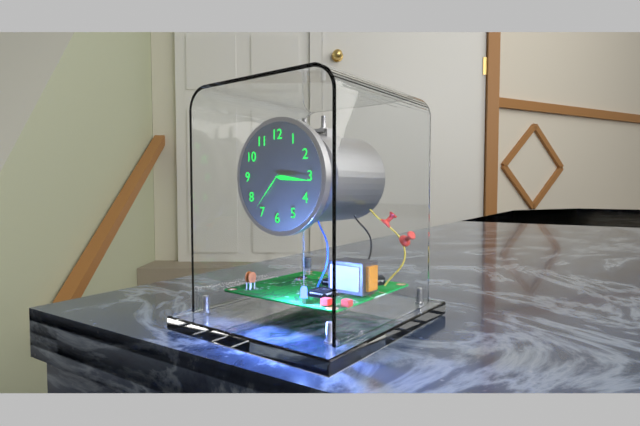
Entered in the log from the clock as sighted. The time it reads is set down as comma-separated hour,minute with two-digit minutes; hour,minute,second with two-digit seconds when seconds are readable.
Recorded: 3,16
